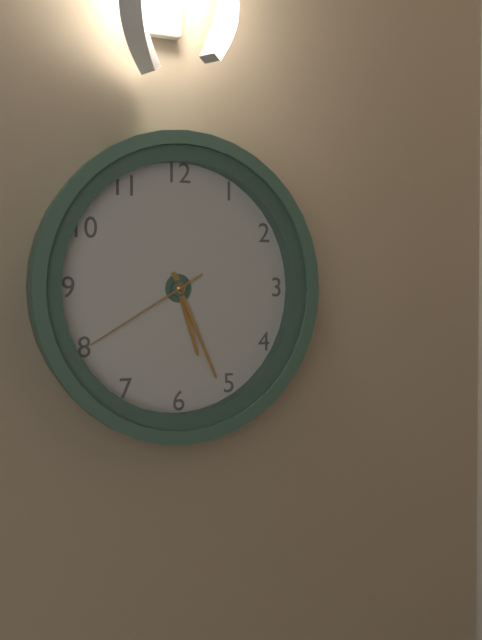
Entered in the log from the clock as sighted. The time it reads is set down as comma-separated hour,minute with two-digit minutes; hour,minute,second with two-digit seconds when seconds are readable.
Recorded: 5,26,40
